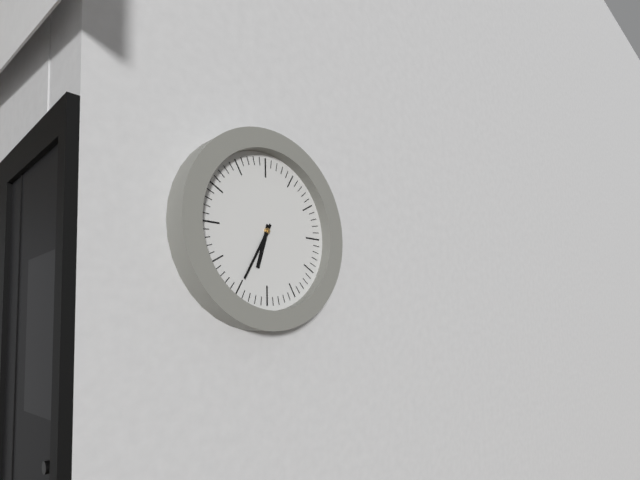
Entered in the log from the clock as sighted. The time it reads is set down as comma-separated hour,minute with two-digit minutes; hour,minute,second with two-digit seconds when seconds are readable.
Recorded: 6,35
